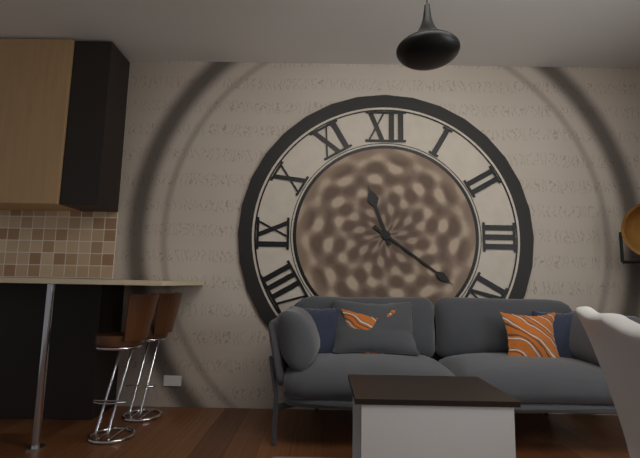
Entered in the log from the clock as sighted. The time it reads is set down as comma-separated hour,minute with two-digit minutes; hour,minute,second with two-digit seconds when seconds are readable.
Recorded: 11,21
